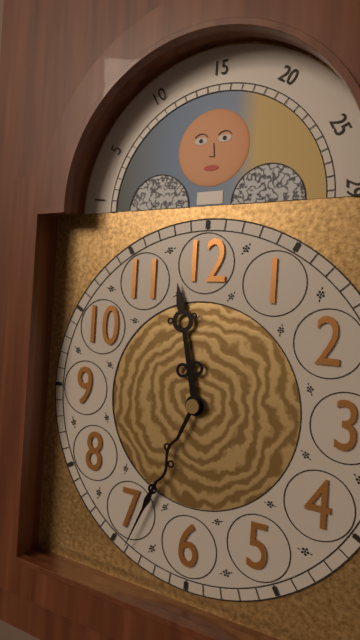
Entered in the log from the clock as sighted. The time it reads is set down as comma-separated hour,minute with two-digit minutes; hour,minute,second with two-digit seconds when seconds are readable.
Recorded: 11,34
